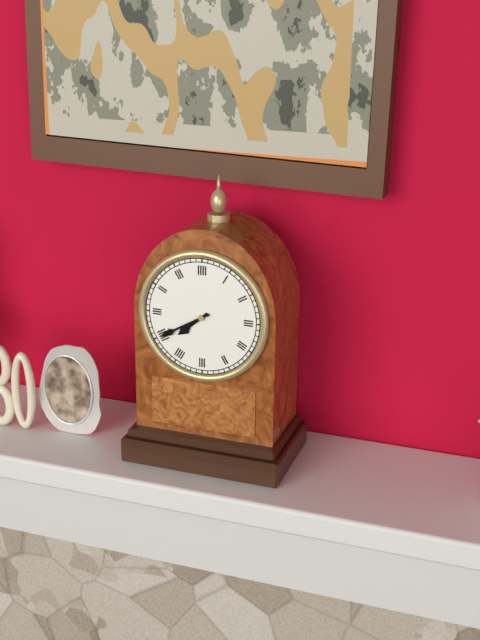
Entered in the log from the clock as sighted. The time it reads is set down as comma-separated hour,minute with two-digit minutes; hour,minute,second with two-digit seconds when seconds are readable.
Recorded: 7,40
